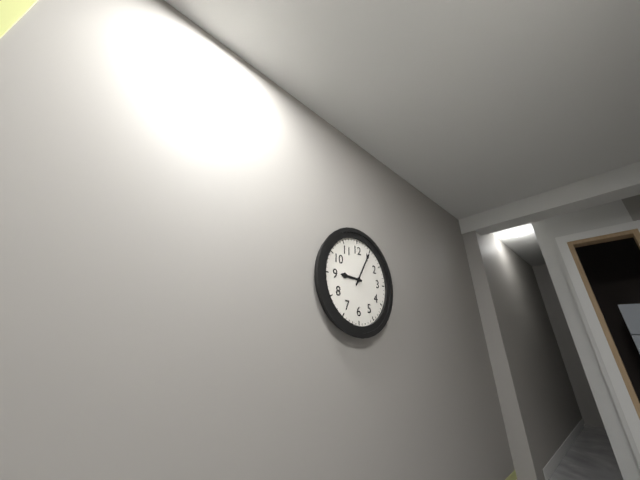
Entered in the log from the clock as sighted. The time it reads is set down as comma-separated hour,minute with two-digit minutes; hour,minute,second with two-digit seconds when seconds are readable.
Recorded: 9,05
